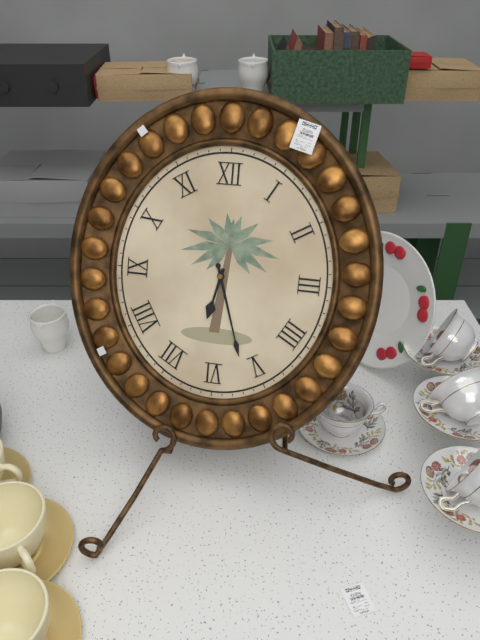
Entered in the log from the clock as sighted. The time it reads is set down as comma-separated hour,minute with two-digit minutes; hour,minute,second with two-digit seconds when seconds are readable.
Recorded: 6,27
